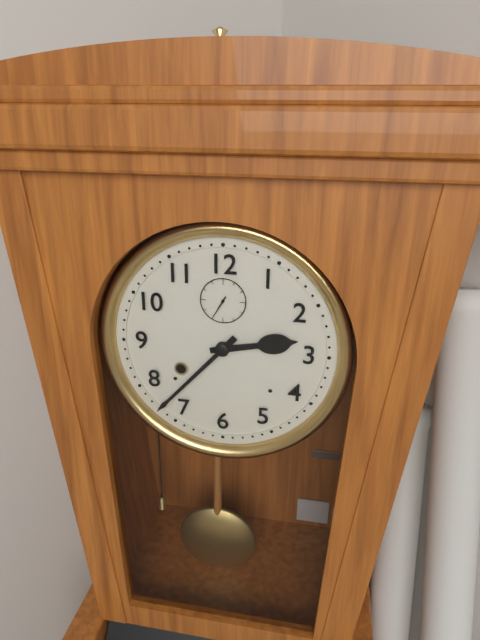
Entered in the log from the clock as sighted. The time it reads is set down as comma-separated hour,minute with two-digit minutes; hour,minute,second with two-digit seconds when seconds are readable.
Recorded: 2,37
